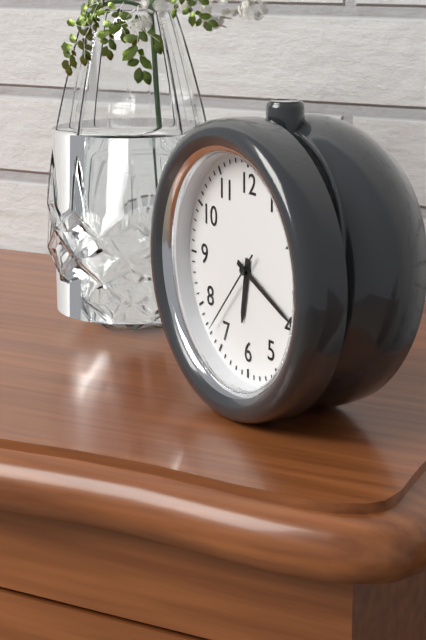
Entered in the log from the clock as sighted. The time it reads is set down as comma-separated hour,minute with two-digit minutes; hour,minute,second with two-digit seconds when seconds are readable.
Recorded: 6,19,37
